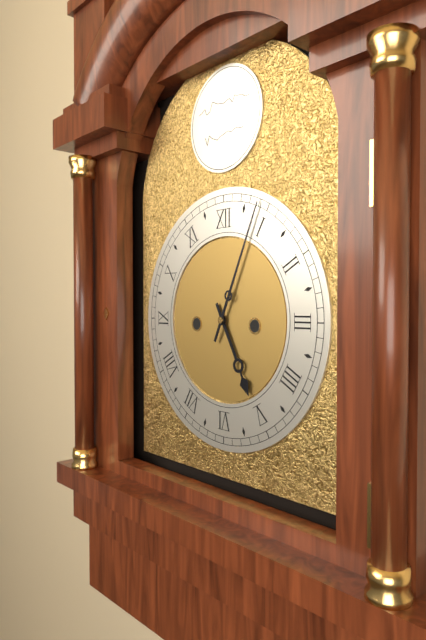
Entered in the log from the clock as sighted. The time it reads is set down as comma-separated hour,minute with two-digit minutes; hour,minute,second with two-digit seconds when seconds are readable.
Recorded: 5,04
